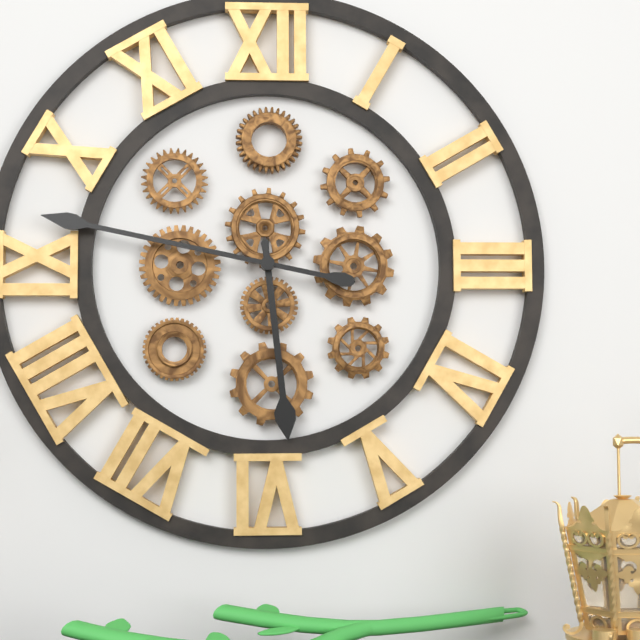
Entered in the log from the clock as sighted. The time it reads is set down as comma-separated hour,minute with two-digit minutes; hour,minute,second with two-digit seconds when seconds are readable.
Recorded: 5,47
